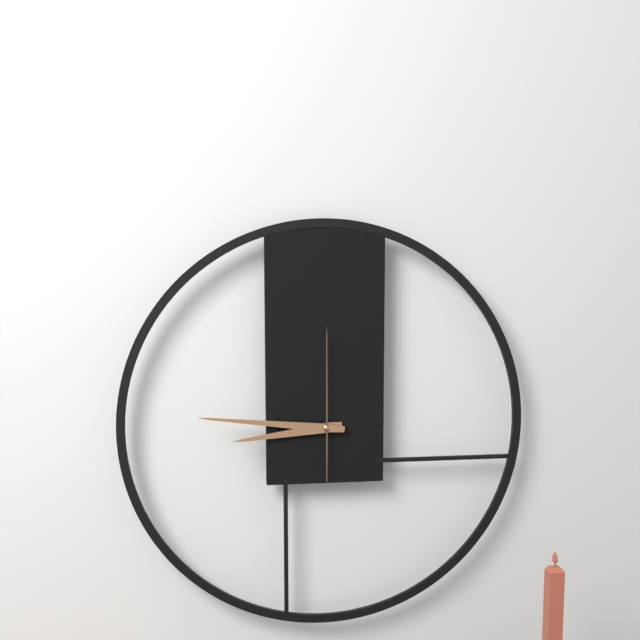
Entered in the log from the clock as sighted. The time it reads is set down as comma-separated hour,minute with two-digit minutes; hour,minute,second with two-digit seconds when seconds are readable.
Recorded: 8,46,00
